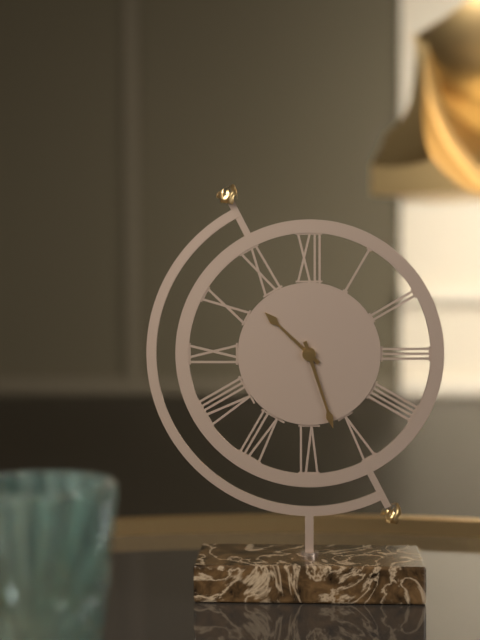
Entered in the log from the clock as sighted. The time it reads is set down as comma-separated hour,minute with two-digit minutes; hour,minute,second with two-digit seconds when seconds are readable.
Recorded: 10,27
